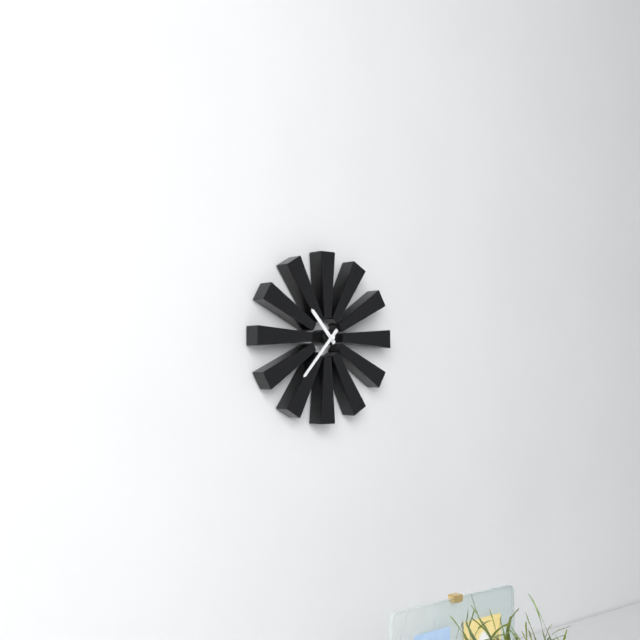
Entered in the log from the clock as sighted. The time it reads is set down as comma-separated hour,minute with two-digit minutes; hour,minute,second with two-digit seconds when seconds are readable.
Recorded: 10,37
